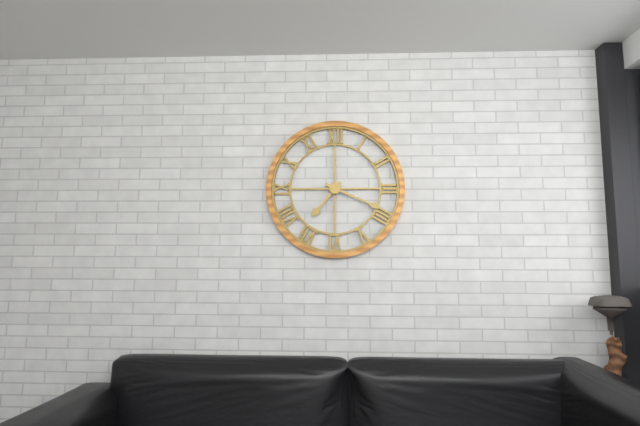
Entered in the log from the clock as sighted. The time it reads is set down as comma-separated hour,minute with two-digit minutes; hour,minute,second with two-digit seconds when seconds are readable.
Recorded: 7,19
